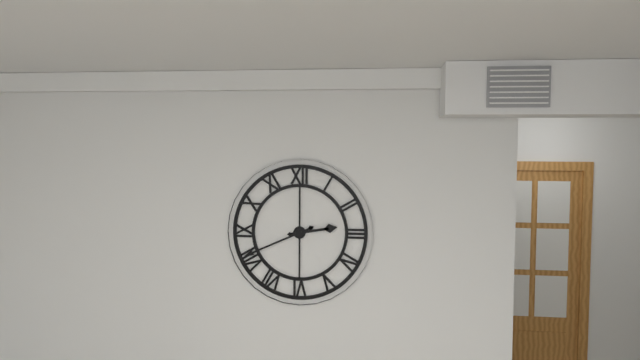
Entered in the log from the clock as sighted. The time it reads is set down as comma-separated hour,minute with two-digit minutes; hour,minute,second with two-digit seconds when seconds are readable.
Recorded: 2,41
